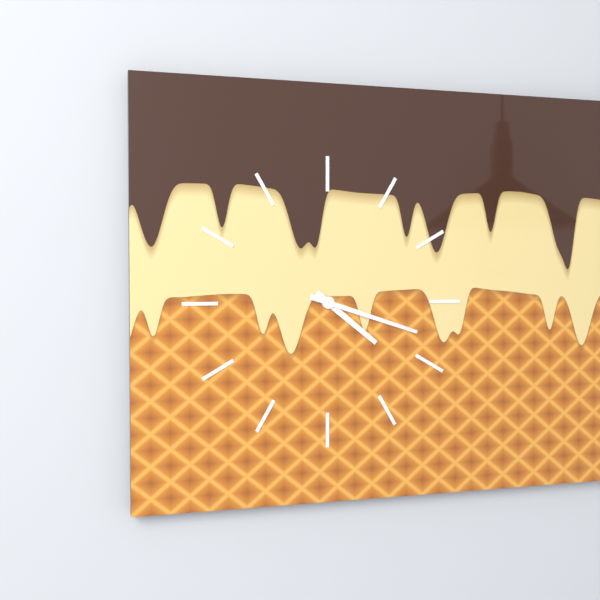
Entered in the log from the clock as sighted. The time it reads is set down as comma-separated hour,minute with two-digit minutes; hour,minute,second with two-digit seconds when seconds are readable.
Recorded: 4,18
